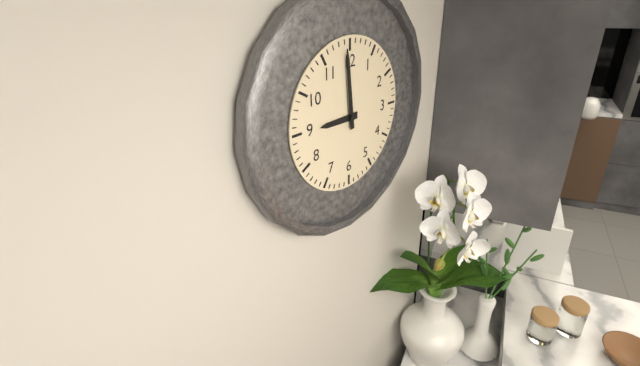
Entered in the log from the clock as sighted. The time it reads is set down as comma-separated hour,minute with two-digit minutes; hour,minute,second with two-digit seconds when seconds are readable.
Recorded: 8,59
